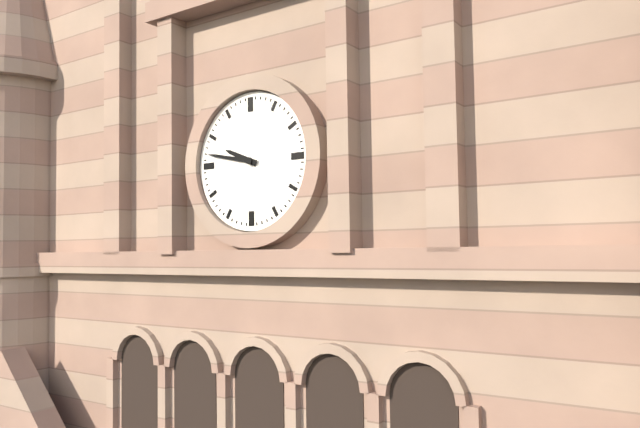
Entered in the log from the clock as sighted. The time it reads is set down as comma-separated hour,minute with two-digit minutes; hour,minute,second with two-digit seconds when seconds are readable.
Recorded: 9,47
